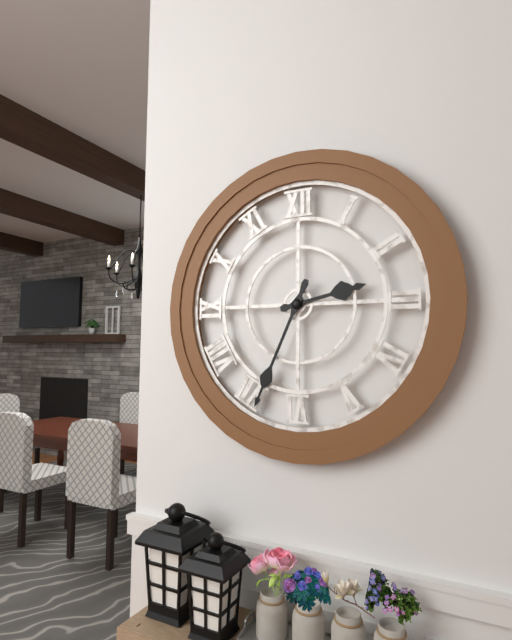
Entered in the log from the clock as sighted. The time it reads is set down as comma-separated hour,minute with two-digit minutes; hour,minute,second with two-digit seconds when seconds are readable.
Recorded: 2,34
